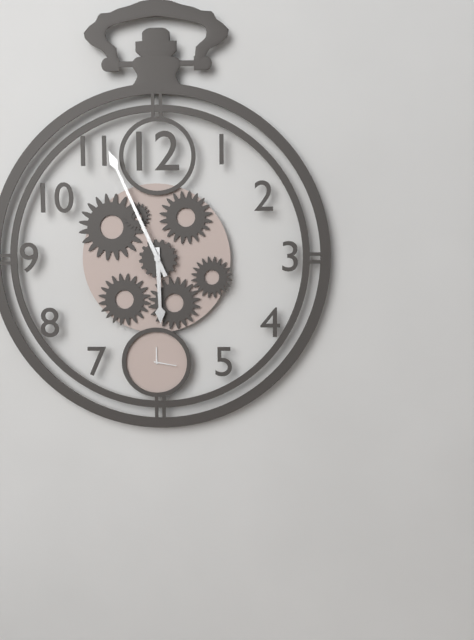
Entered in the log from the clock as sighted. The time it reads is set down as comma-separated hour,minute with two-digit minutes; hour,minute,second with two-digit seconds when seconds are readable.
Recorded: 5,56
